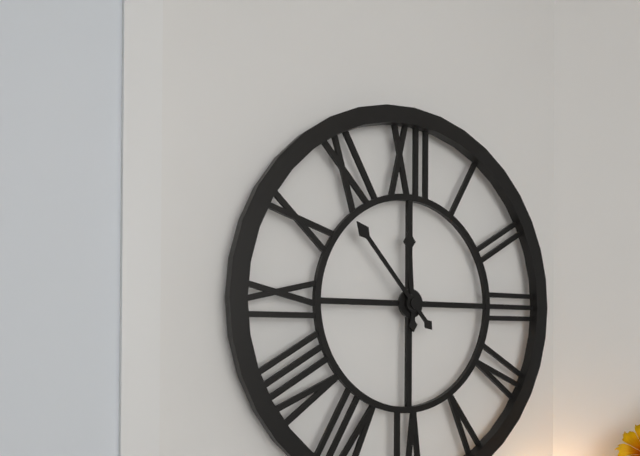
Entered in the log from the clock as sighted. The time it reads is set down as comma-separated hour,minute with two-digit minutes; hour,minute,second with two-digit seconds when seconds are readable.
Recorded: 11,53
